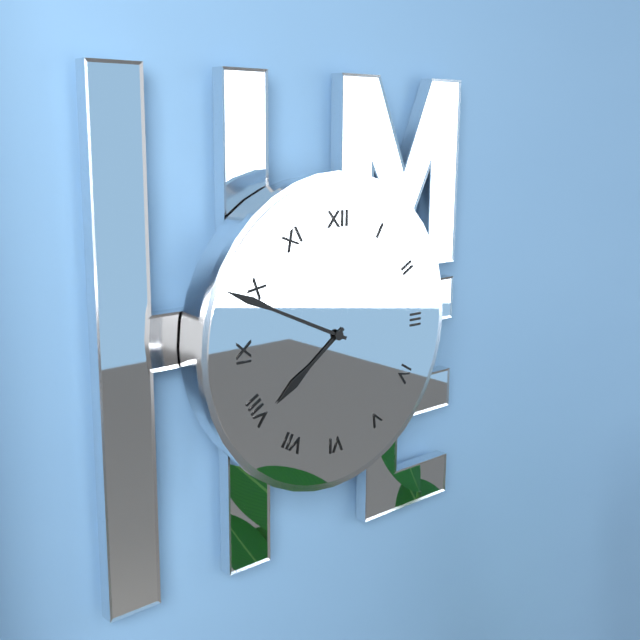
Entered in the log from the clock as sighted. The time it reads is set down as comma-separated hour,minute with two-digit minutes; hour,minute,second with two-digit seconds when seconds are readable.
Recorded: 7,49
